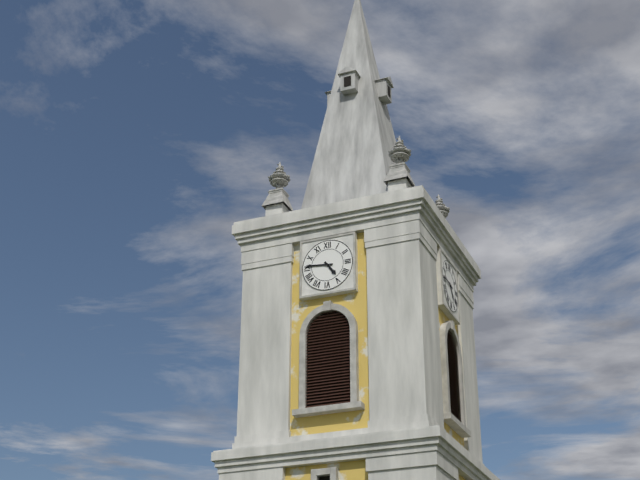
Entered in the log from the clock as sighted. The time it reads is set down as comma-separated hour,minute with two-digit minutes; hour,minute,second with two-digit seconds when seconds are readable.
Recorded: 4,46
